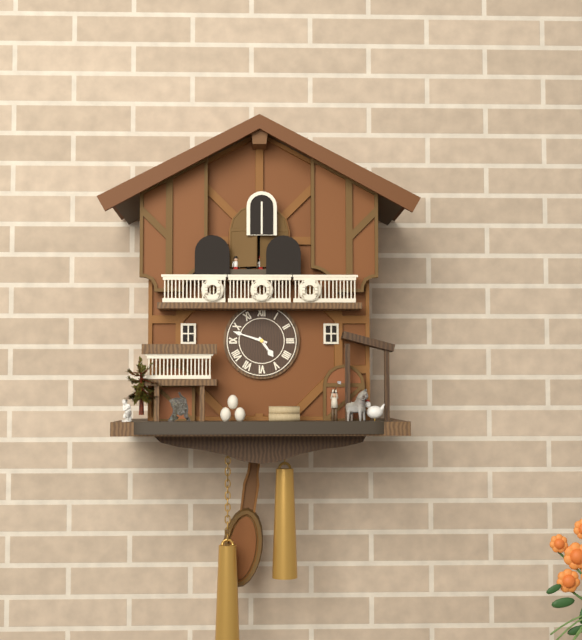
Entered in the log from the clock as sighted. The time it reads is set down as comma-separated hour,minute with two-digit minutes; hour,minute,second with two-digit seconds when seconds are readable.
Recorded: 4,48
